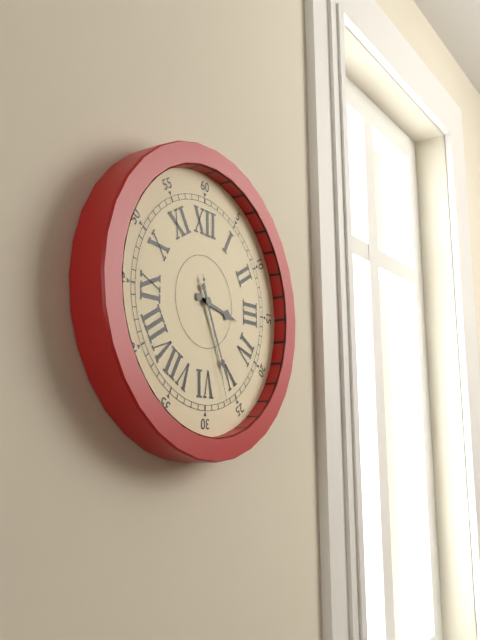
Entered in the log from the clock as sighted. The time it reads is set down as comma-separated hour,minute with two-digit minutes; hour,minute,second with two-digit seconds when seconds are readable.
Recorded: 3,26,27
